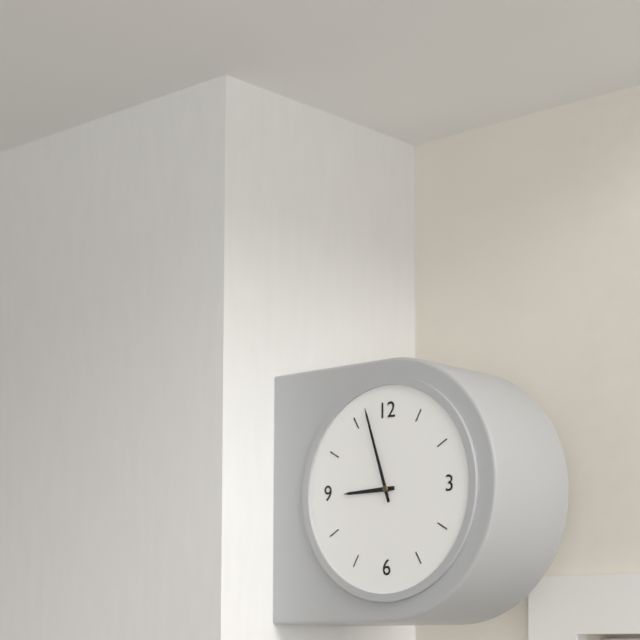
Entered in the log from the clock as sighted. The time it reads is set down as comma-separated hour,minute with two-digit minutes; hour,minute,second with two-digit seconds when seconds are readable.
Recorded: 8,57
